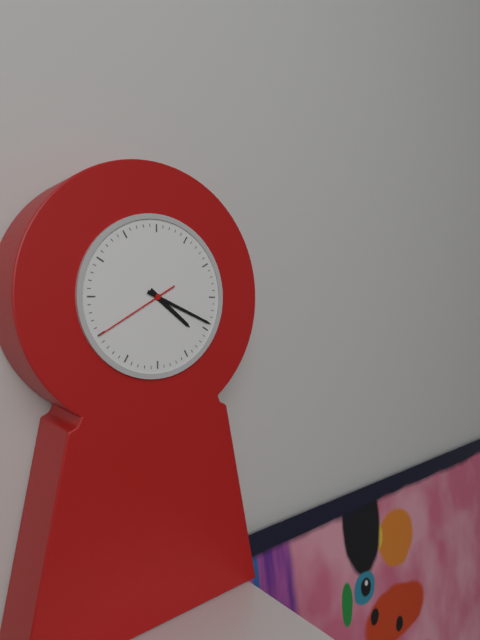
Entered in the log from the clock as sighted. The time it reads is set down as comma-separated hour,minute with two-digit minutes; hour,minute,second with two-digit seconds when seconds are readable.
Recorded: 4,19,40
